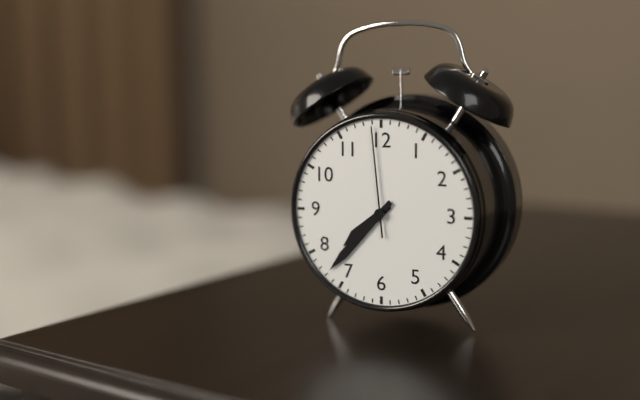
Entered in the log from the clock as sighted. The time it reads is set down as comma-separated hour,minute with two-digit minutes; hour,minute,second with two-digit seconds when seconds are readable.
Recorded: 7,37,59
